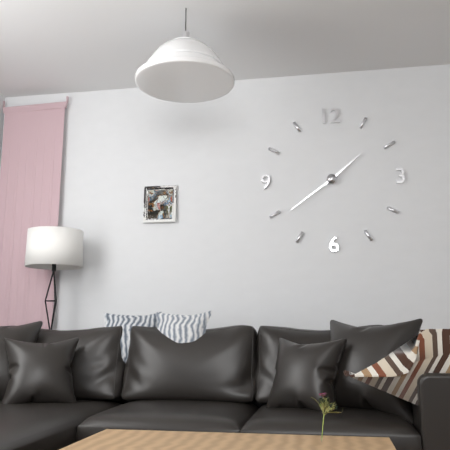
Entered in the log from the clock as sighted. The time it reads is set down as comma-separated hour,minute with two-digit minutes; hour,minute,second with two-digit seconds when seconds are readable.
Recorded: 1,39
